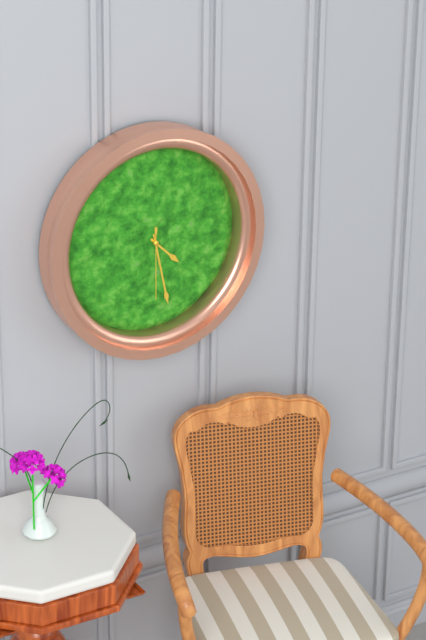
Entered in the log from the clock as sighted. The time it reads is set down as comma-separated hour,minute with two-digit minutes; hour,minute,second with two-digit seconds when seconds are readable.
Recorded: 4,28,30
